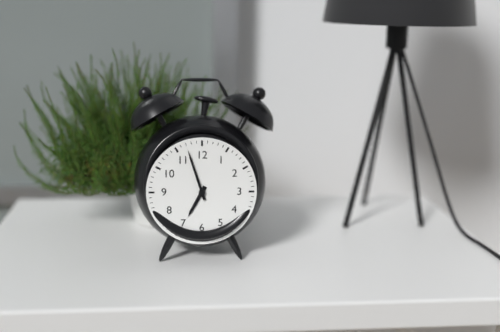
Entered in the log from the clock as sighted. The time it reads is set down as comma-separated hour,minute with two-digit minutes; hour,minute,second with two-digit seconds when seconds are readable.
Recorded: 6,57
